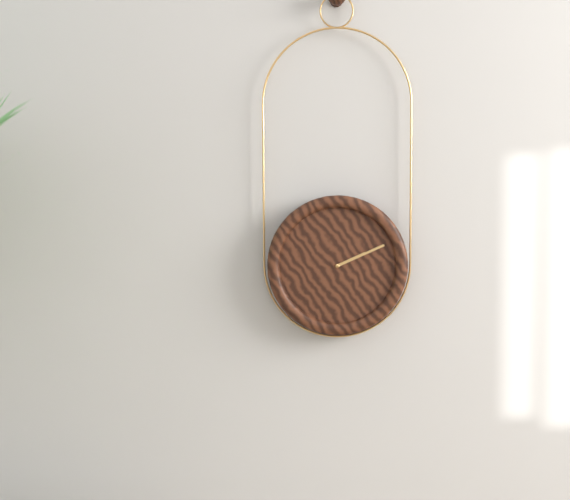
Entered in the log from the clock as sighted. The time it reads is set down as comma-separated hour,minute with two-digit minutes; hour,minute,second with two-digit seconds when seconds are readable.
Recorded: 2,11
